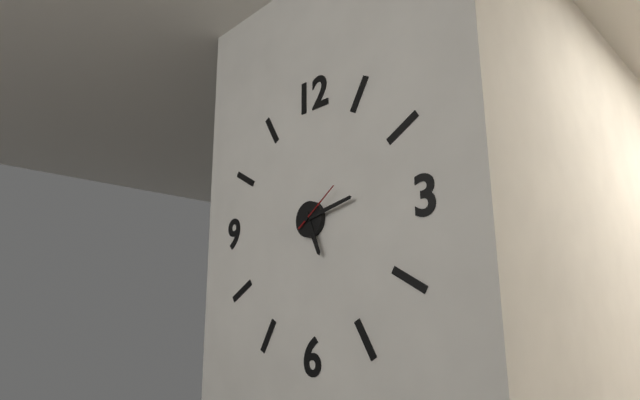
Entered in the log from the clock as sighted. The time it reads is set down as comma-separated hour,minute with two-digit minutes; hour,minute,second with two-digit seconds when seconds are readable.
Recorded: 5,13,09
